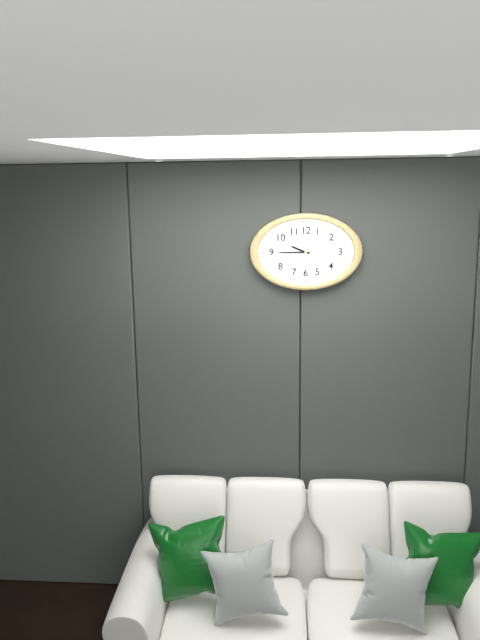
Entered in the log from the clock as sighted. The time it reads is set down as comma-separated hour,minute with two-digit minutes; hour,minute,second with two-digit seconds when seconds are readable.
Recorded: 9,45
